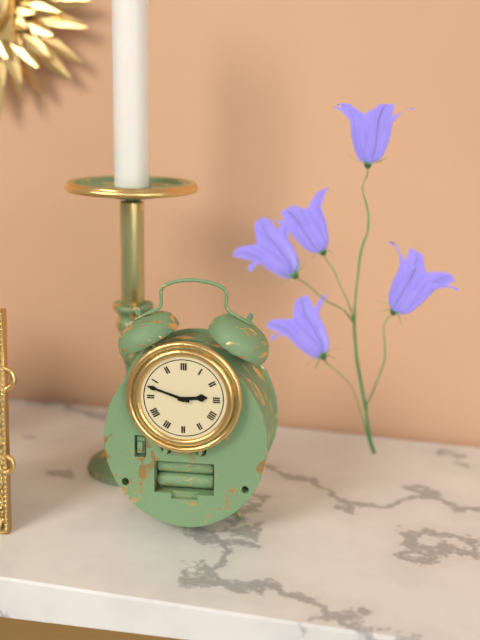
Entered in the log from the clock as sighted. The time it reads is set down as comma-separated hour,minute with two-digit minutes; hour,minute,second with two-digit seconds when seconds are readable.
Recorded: 2,48
